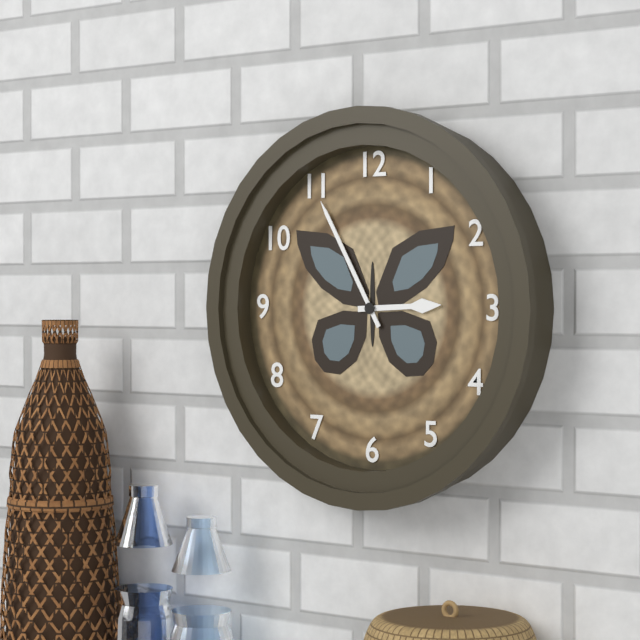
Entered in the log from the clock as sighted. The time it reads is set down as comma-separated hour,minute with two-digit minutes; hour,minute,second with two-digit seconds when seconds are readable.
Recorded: 2,55
